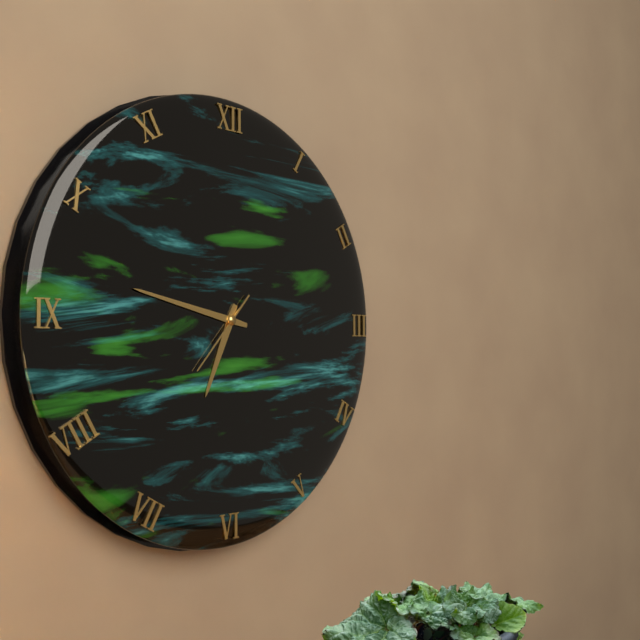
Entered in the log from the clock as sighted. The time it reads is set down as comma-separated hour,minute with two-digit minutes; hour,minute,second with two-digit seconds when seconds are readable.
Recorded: 6,47,37
